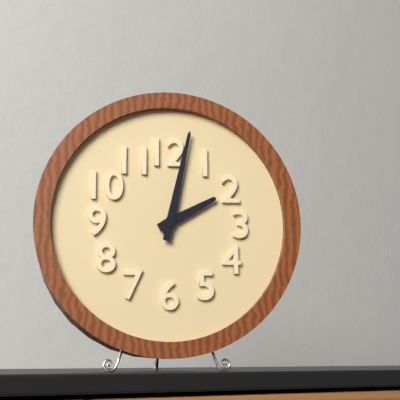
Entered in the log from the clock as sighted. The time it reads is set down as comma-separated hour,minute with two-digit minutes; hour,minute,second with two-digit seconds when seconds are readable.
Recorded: 2,02
